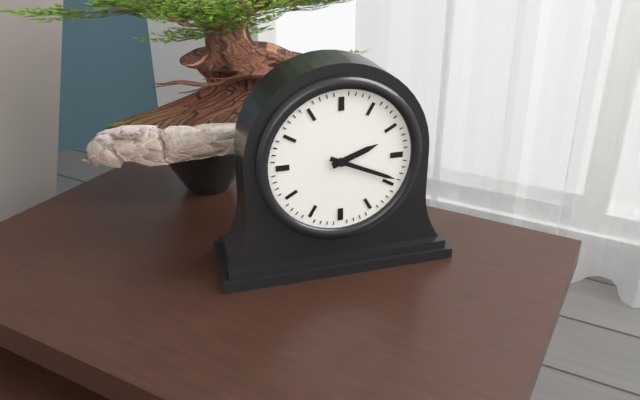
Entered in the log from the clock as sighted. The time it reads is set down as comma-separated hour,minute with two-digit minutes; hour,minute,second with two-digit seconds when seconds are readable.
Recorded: 2,19
